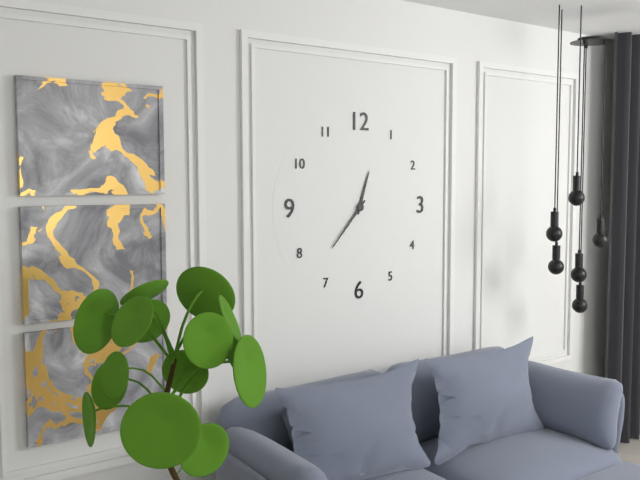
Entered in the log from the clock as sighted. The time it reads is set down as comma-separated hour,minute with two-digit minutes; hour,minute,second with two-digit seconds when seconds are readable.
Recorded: 12,37
